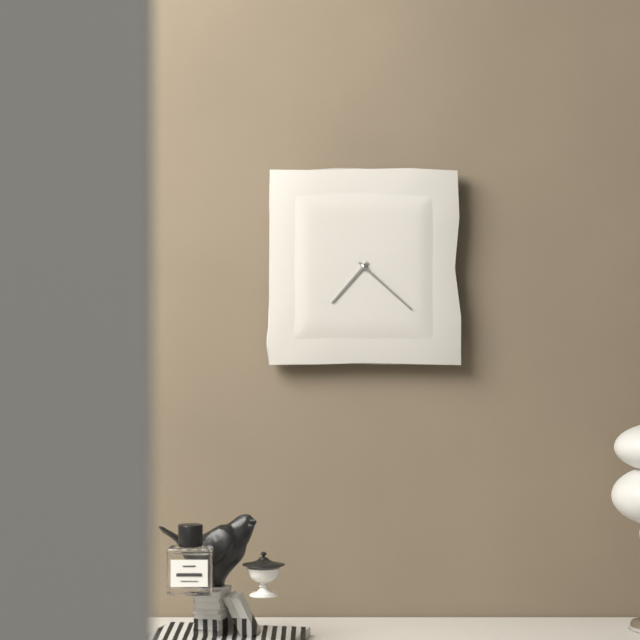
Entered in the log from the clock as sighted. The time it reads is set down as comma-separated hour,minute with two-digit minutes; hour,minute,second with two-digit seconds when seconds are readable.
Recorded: 7,22
